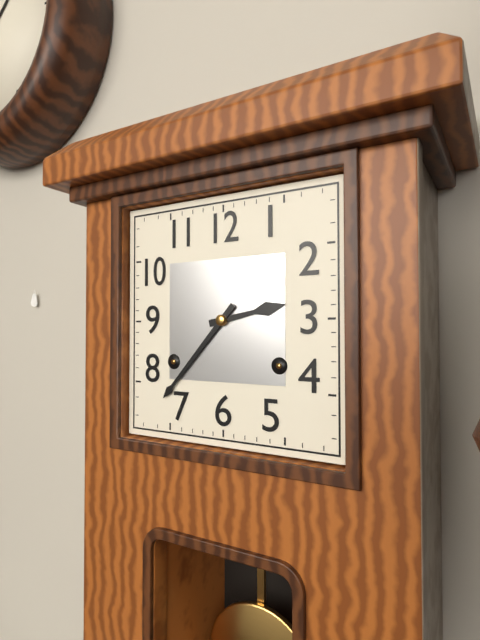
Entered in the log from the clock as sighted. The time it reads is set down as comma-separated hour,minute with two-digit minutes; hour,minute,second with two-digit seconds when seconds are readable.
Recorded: 2,37
